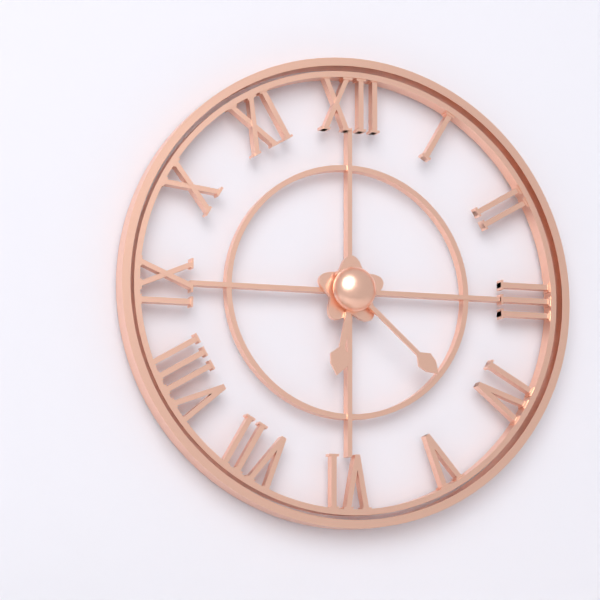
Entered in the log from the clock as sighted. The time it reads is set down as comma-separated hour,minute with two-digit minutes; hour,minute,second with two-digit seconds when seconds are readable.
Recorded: 6,22
